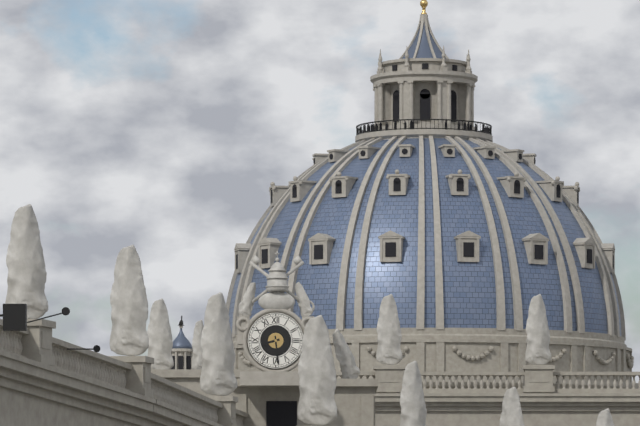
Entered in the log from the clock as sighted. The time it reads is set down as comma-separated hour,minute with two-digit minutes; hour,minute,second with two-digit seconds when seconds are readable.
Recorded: 8,29
